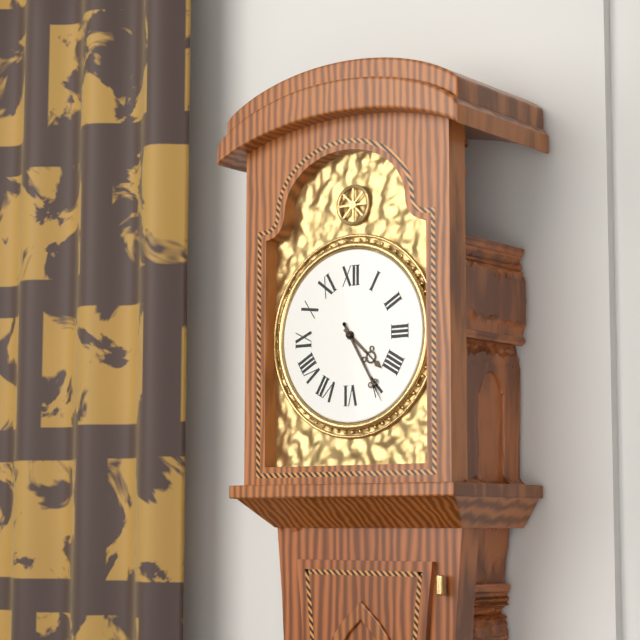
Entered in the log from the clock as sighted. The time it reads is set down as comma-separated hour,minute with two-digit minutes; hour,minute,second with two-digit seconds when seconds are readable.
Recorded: 4,25
